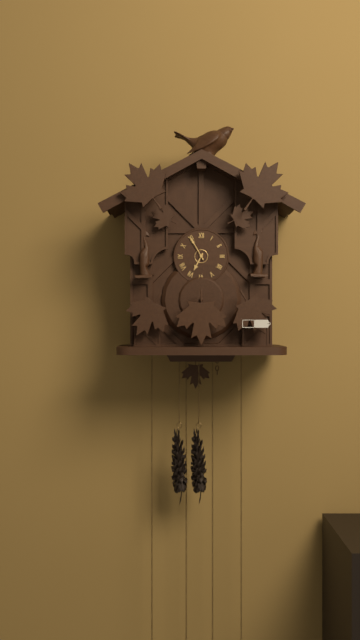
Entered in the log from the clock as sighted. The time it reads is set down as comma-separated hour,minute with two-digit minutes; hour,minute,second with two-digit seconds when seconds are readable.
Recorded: 6,55
